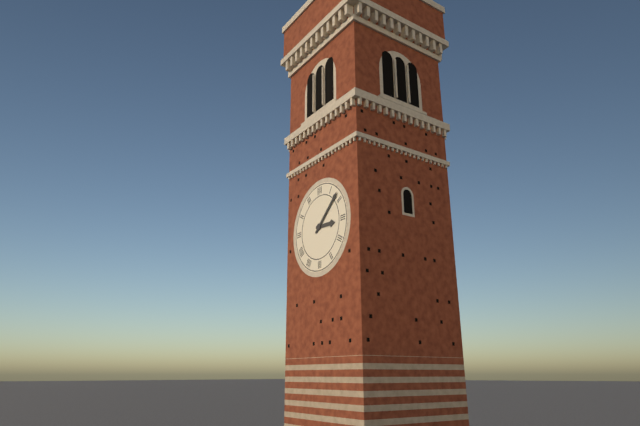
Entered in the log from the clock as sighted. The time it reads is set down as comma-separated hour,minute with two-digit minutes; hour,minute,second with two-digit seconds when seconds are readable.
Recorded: 3,08
